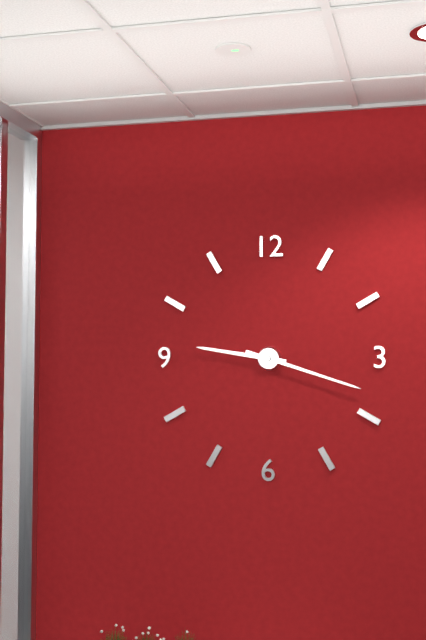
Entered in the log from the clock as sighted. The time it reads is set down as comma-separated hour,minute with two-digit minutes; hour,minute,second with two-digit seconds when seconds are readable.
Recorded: 9,18
